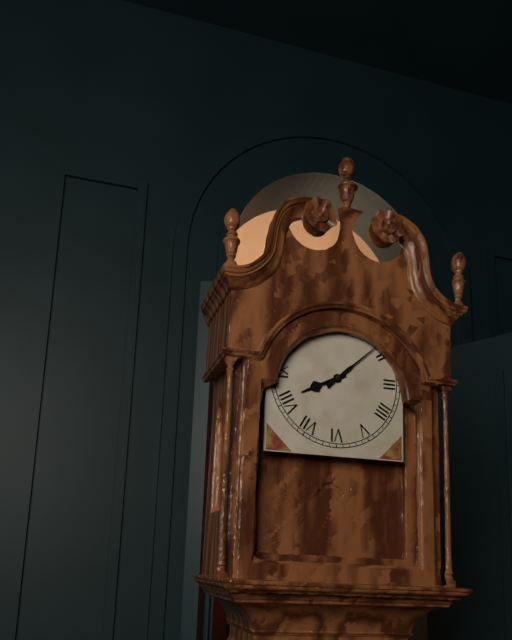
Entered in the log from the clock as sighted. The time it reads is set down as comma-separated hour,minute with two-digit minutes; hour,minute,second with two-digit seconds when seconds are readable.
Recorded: 8,08
